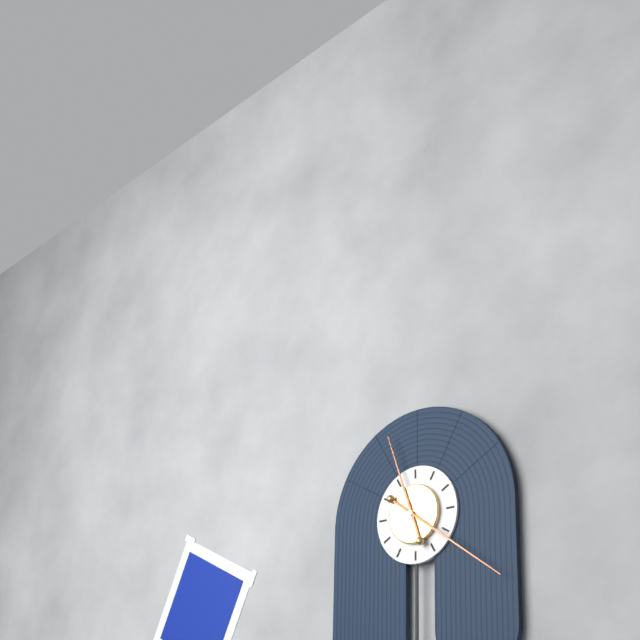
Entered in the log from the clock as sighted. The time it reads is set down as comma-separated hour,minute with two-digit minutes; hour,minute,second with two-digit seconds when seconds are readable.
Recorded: 11,21
